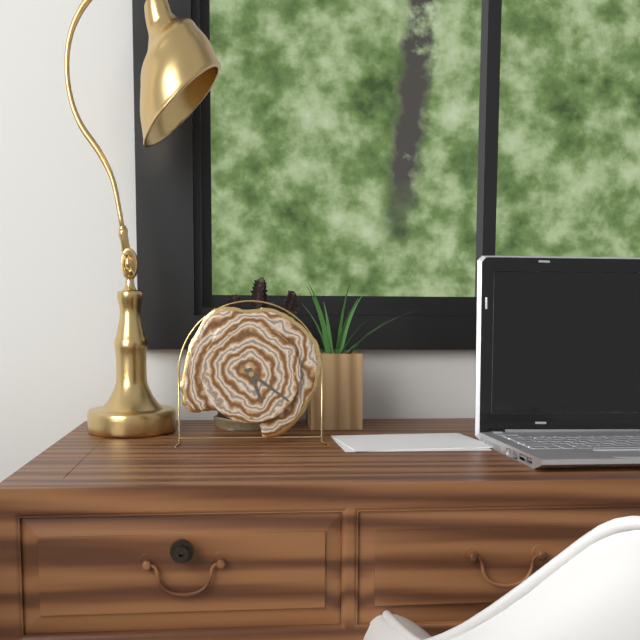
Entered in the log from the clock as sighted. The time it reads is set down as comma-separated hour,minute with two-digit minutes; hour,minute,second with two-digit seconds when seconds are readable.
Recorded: 5,21
